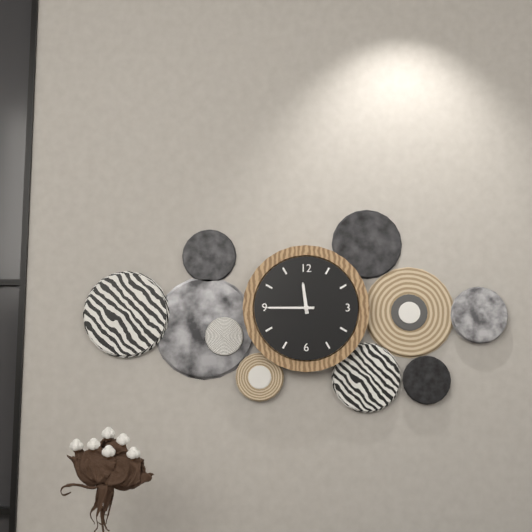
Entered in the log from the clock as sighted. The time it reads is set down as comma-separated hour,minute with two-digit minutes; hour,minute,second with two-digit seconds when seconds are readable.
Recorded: 11,45
